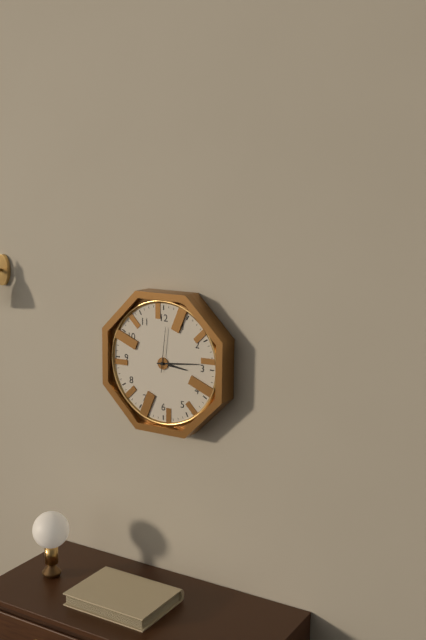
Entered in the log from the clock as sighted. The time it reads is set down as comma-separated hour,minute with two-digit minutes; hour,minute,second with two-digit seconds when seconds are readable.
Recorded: 3,14
